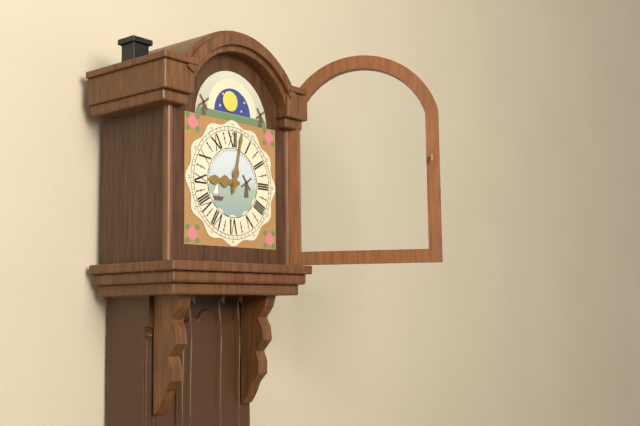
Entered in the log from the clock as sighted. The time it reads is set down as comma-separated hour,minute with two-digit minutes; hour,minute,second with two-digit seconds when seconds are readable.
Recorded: 9,02
